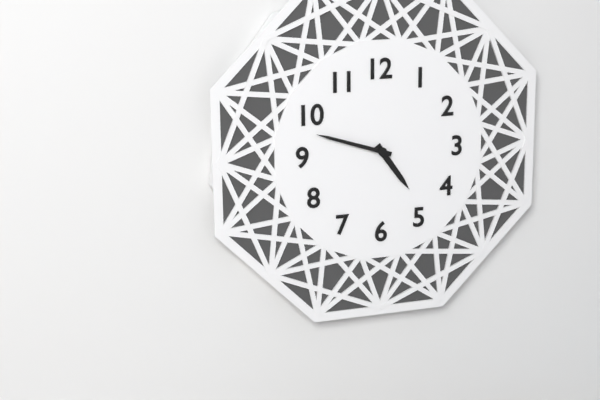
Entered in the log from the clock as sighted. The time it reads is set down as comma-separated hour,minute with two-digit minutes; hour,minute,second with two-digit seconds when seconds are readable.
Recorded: 4,48
